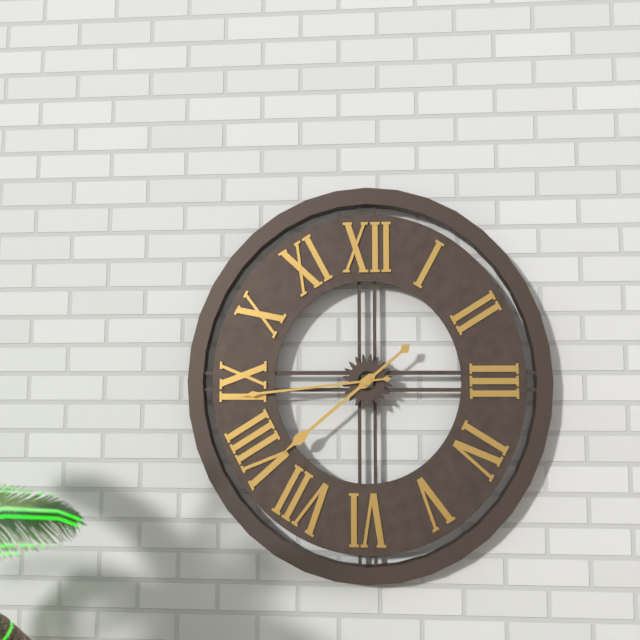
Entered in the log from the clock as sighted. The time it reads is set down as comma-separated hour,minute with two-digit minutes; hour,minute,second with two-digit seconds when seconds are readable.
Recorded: 7,44
